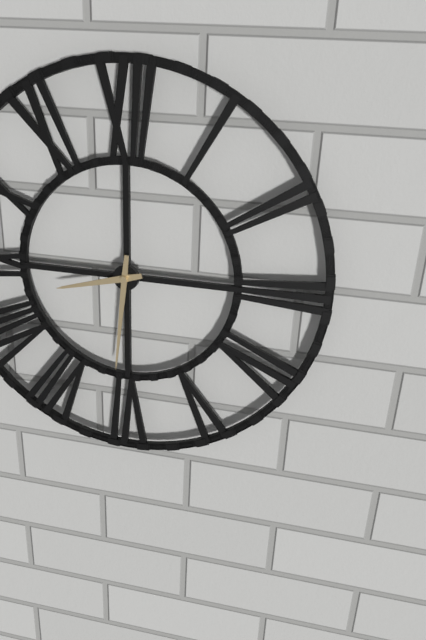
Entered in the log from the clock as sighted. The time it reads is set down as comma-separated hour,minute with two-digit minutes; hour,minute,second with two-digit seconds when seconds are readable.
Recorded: 8,31
